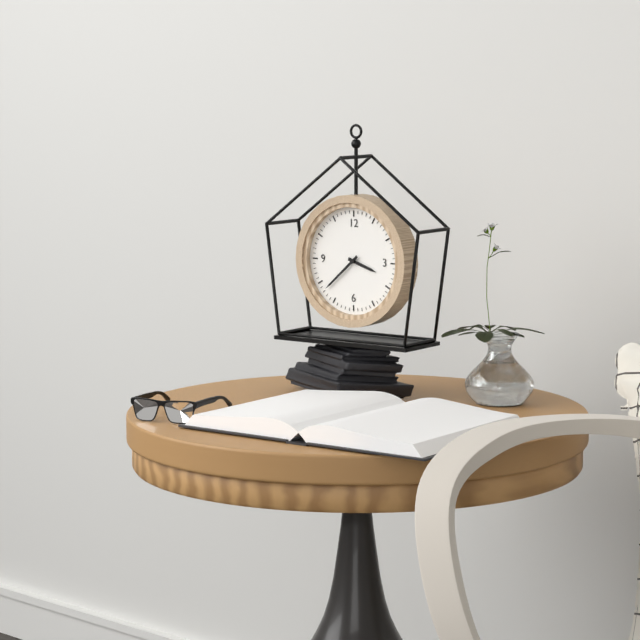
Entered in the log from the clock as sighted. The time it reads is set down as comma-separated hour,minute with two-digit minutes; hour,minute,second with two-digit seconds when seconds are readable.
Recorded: 3,38
